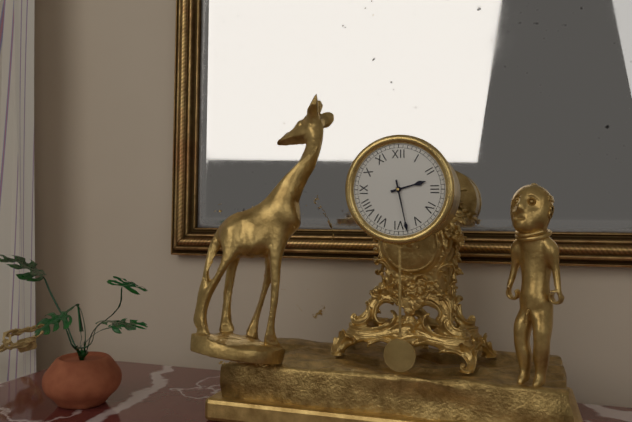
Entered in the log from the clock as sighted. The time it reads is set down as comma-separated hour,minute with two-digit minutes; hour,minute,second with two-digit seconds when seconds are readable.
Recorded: 2,28
